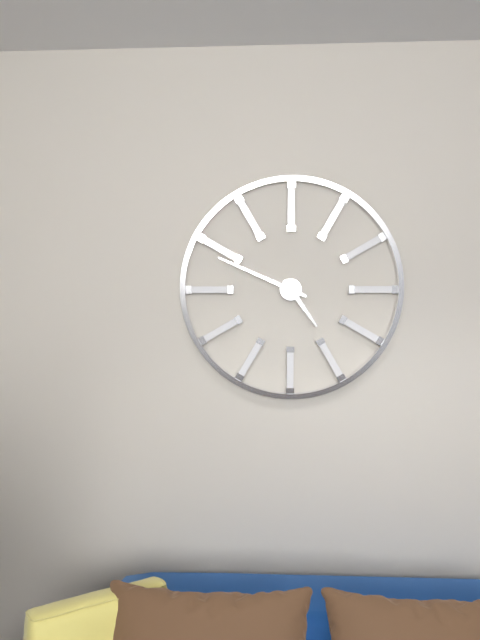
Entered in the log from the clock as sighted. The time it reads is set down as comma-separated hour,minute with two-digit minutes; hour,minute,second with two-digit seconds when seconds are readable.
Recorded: 4,49
